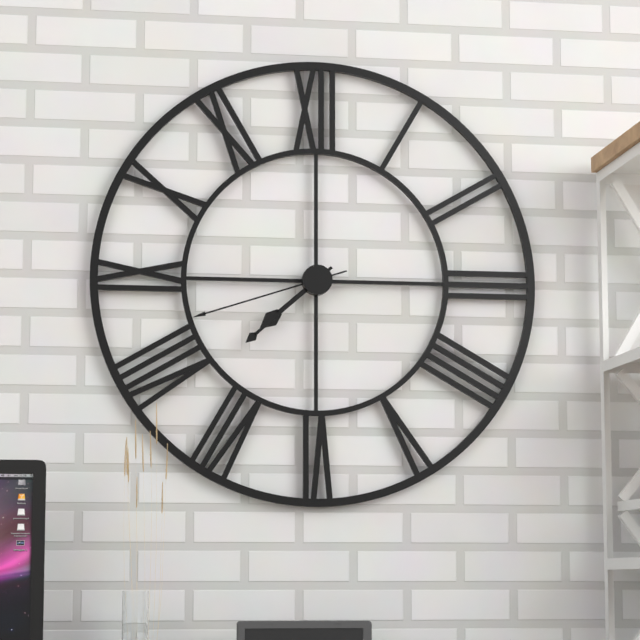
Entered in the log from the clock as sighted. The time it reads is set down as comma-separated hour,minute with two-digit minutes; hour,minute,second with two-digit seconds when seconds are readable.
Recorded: 7,38,42
